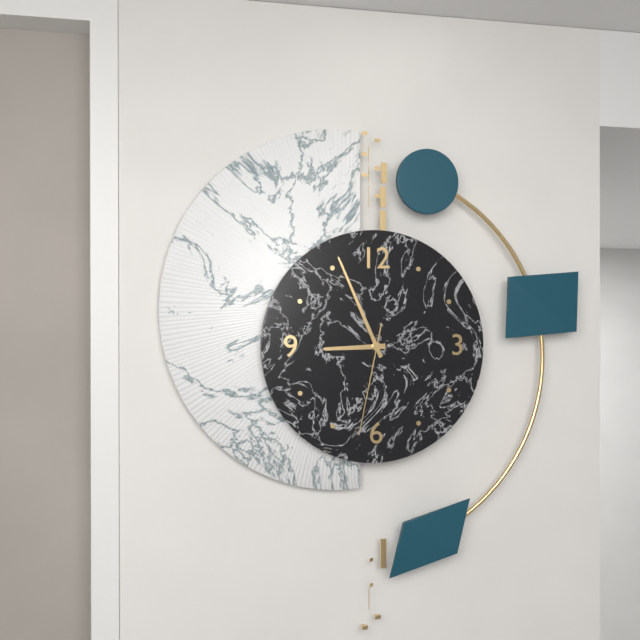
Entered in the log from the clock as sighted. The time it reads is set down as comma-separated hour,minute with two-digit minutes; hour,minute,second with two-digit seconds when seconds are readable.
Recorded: 8,56,32
